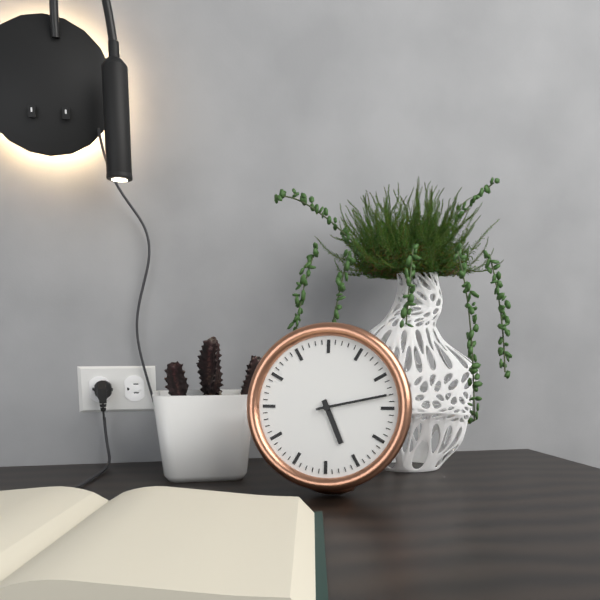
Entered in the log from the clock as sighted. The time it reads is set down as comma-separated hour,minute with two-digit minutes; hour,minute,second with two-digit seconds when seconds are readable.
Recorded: 5,13
